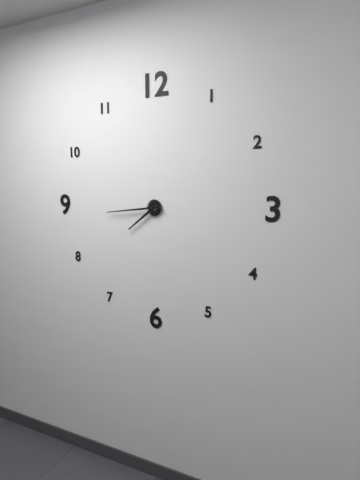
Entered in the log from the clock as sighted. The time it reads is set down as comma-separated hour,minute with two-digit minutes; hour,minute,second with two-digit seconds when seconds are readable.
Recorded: 7,44
